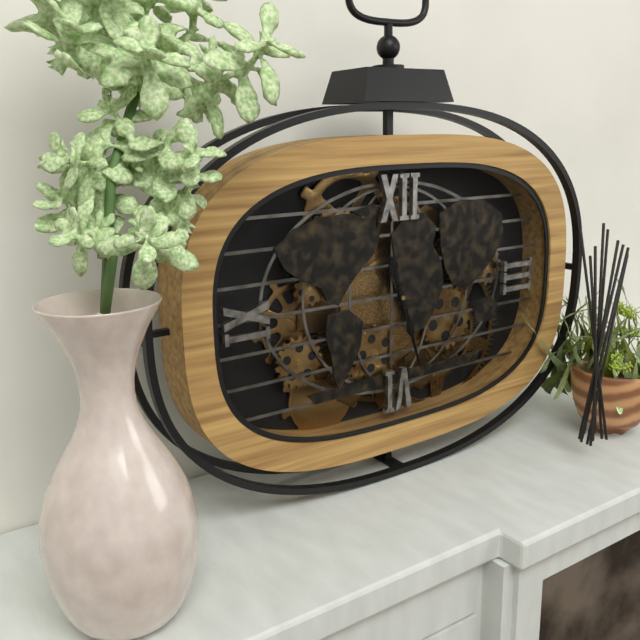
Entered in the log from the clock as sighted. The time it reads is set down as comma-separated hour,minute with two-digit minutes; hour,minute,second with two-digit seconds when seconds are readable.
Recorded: 11,27
